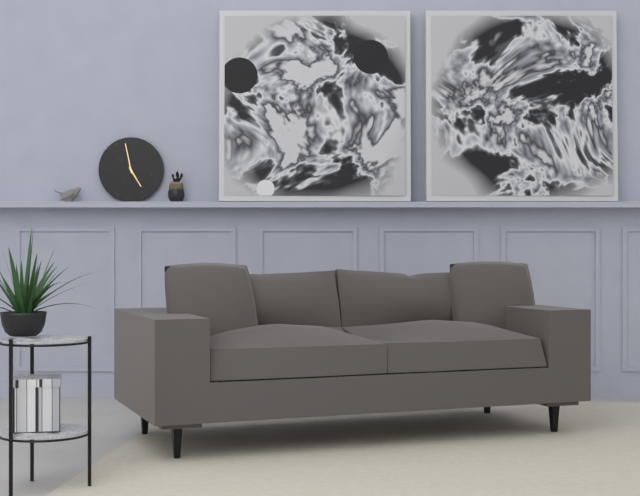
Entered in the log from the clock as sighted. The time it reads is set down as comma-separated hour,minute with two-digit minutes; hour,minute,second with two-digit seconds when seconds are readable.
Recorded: 4,58
